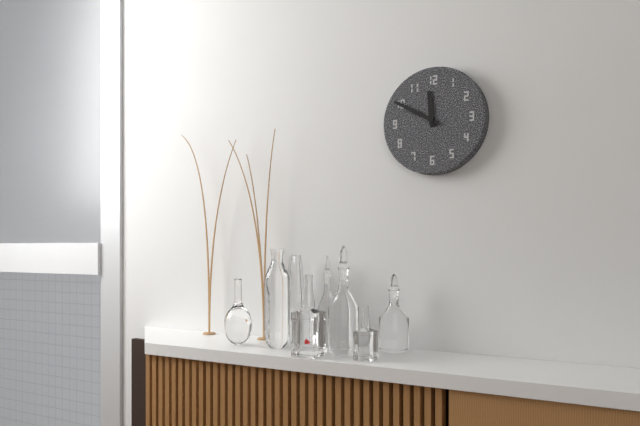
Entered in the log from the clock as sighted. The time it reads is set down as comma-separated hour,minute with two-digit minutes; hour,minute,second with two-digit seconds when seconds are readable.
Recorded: 11,50
